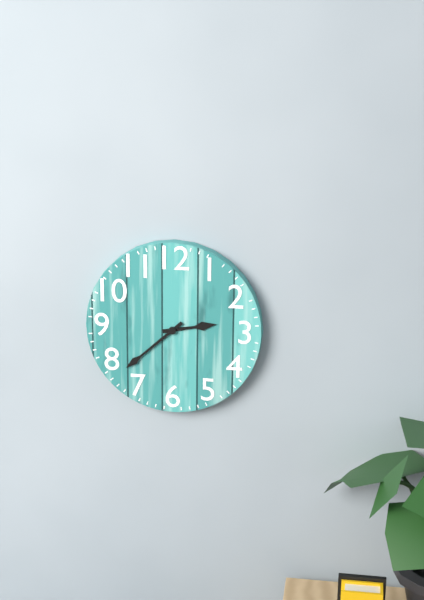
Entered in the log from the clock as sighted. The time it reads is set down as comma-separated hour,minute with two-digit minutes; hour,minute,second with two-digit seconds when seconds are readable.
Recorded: 2,38
